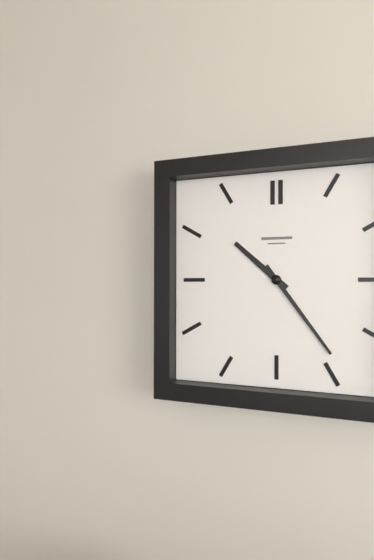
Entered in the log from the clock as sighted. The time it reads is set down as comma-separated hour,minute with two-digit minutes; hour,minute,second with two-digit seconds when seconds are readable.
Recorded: 10,24
